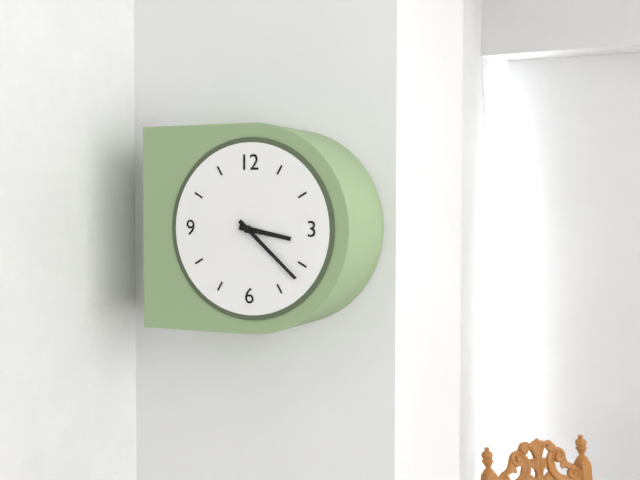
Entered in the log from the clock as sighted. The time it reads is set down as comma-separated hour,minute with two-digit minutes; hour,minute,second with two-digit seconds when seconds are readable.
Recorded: 3,22
